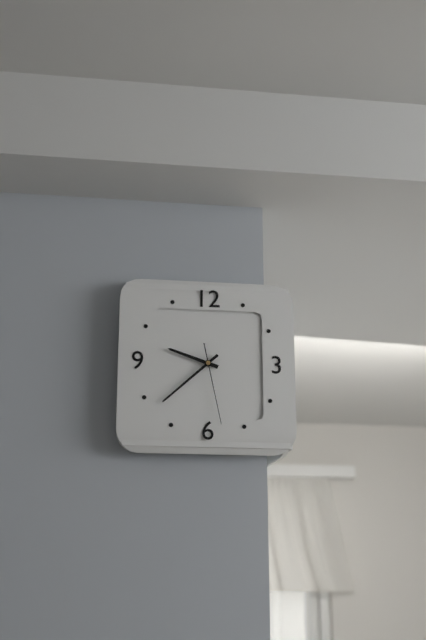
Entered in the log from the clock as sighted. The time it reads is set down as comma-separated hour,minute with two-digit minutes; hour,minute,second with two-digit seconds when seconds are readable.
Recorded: 9,38,28
